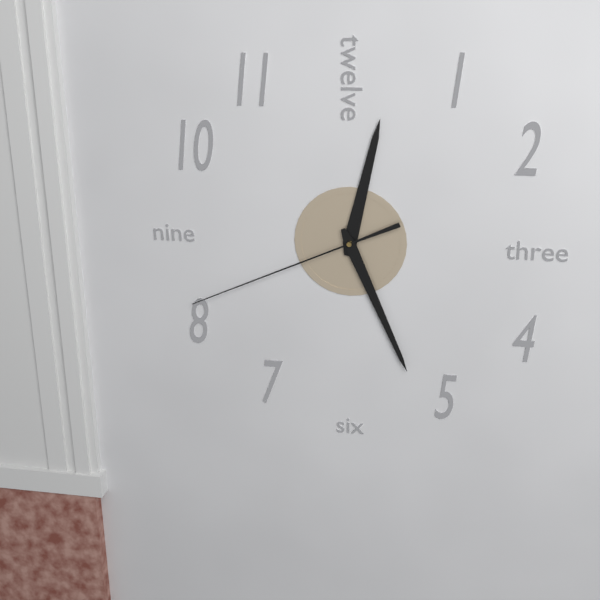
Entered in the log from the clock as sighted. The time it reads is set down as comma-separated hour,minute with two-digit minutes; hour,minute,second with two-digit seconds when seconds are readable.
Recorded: 12,26,41
